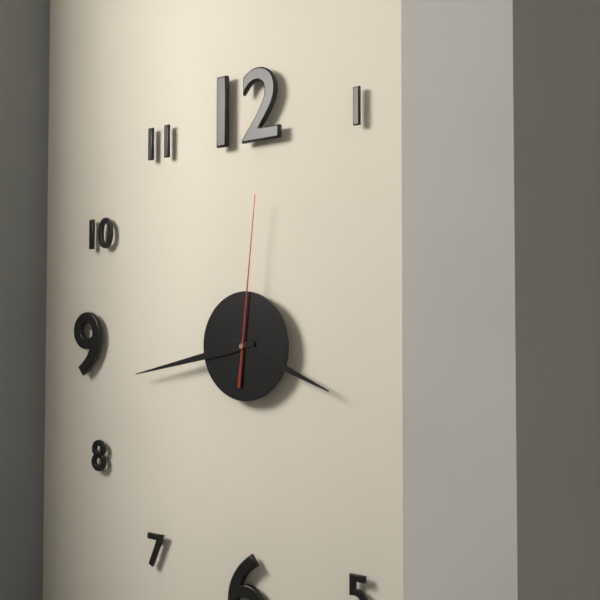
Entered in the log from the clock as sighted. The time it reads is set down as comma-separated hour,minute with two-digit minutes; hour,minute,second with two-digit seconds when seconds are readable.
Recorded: 3,43,01
